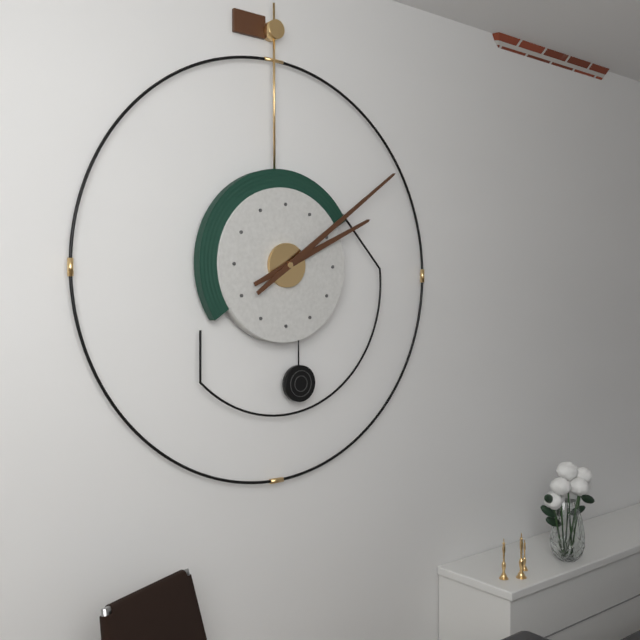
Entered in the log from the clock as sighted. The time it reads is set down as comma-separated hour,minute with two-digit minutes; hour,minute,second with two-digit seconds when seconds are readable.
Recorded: 2,09
